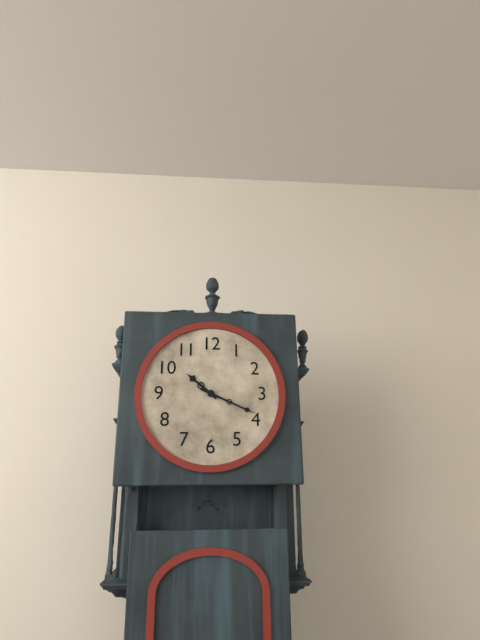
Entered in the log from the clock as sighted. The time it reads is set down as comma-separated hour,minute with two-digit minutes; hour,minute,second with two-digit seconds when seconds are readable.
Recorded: 10,19
